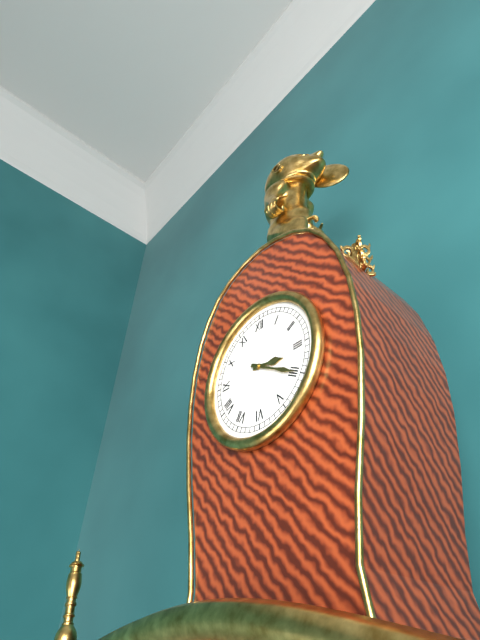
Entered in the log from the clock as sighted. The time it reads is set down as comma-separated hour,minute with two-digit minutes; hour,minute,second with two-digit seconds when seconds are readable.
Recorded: 3,20
